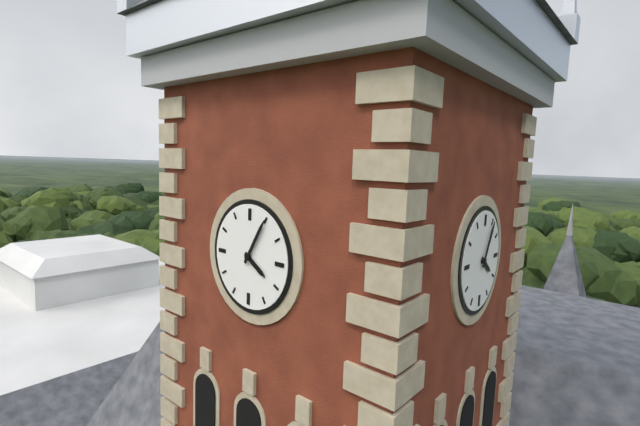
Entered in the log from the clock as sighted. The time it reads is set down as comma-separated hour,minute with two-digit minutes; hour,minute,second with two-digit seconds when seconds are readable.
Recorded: 4,05
